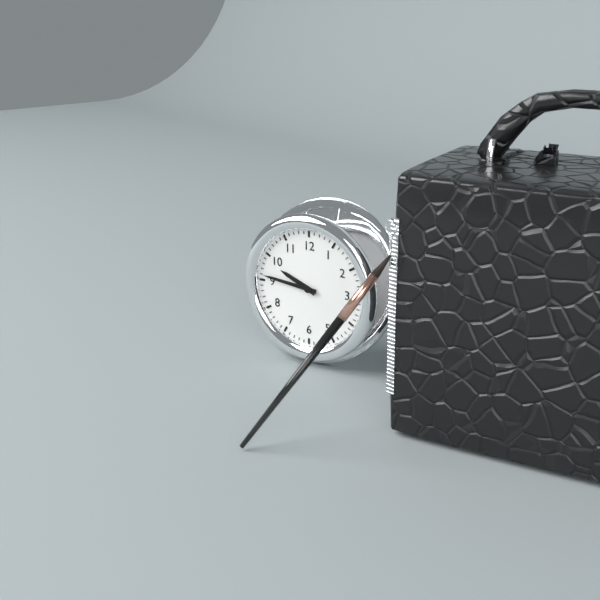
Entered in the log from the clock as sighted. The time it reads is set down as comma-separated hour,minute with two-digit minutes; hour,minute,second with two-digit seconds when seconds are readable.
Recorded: 9,46
